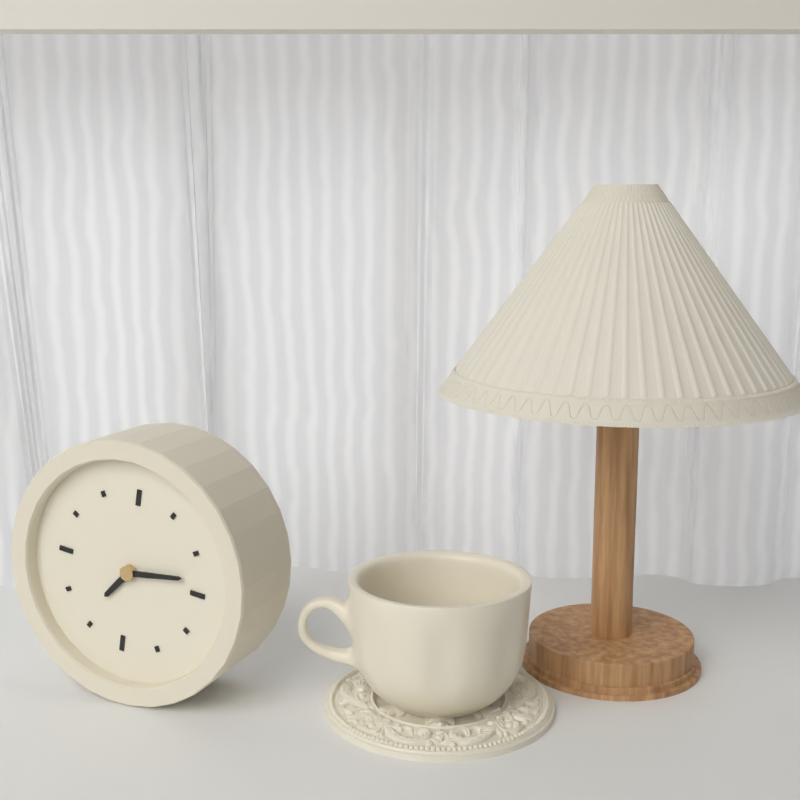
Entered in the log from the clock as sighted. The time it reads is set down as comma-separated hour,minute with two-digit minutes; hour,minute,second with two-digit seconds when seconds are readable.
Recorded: 7,13
